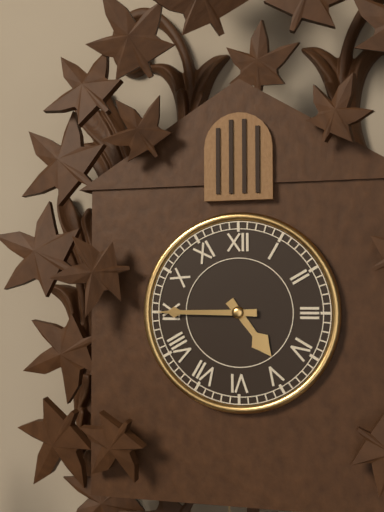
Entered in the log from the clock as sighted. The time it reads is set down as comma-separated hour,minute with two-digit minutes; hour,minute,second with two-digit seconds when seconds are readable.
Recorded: 4,45
